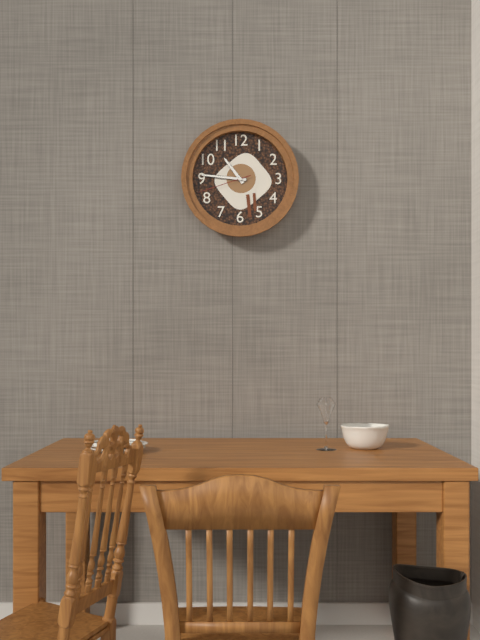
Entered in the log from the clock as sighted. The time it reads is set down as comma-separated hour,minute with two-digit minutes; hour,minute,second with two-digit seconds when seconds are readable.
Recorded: 10,46,42
